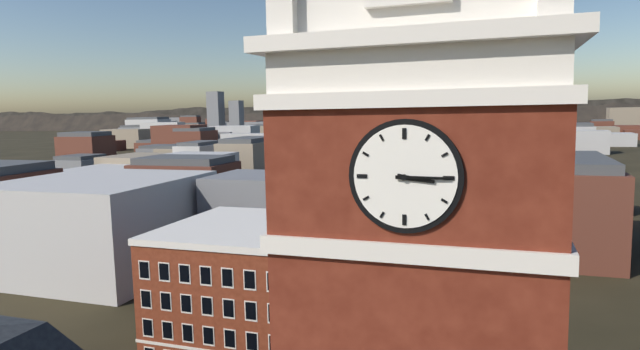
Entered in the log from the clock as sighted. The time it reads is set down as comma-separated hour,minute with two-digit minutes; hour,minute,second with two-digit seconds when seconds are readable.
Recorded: 3,15
